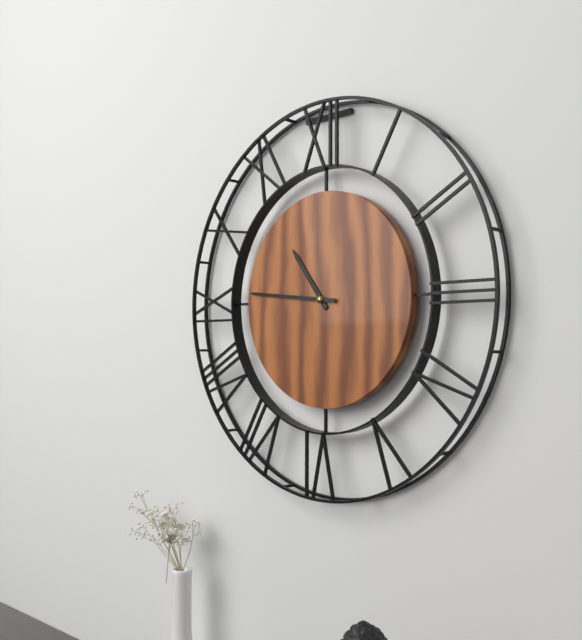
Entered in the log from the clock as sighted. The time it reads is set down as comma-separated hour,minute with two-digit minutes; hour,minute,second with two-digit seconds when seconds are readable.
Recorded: 10,46
